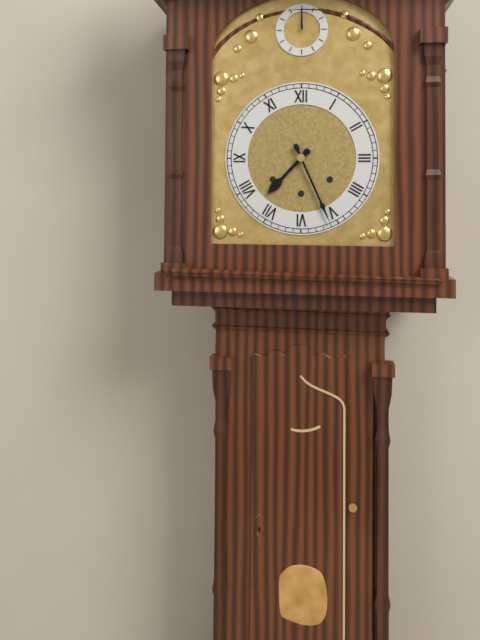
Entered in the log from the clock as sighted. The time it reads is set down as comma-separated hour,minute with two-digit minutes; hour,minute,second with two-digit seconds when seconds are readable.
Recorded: 7,26
